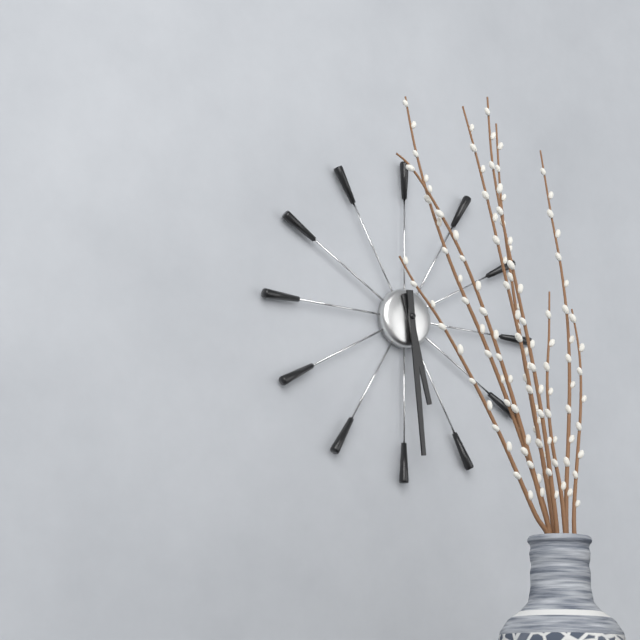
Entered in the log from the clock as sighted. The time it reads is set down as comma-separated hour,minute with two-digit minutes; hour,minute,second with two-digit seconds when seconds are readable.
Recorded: 5,29
